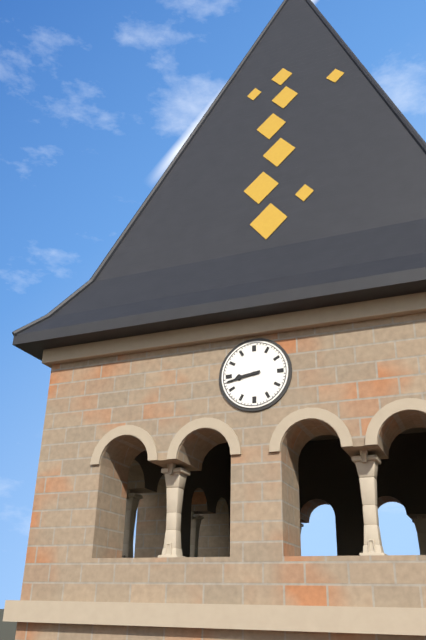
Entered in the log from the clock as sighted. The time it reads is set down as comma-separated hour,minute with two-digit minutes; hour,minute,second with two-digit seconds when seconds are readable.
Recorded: 8,43
